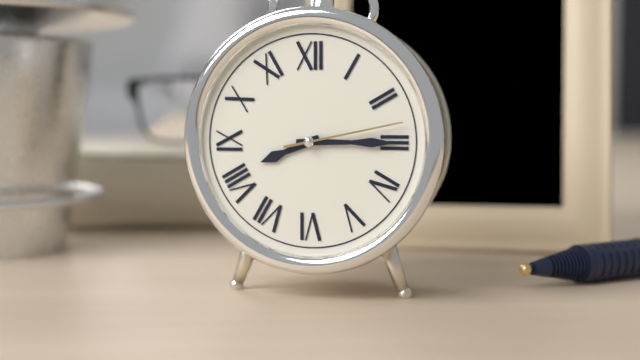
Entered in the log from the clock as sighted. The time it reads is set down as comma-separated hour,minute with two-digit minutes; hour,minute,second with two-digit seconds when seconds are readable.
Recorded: 8,15,13
